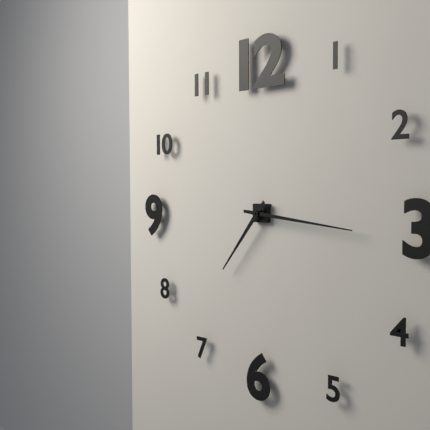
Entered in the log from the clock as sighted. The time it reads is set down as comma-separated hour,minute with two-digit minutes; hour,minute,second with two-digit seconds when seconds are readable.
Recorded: 7,16
